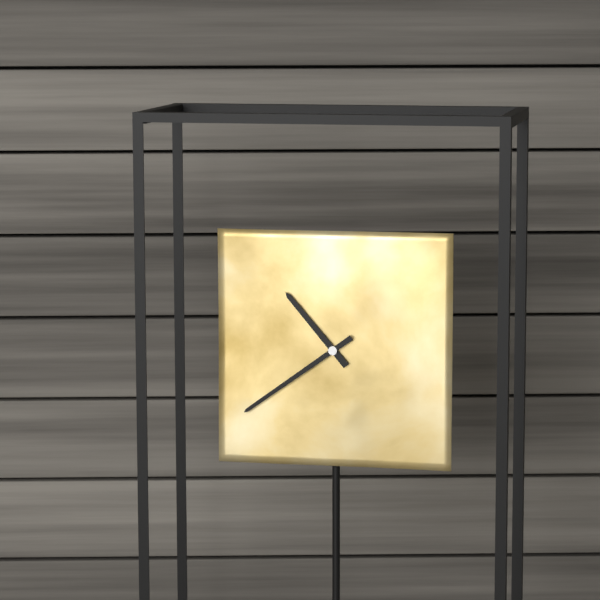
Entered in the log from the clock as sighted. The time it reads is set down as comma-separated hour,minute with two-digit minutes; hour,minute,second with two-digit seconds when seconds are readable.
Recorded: 10,39
